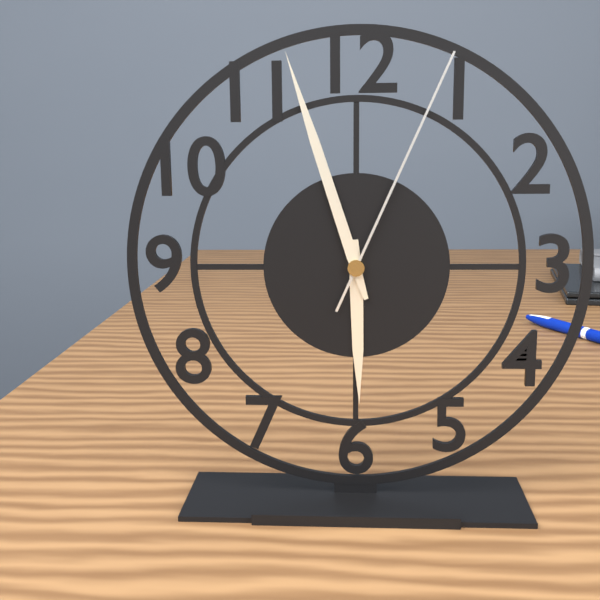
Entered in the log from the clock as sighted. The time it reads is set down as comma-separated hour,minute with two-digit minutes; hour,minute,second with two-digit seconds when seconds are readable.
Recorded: 5,57,04
